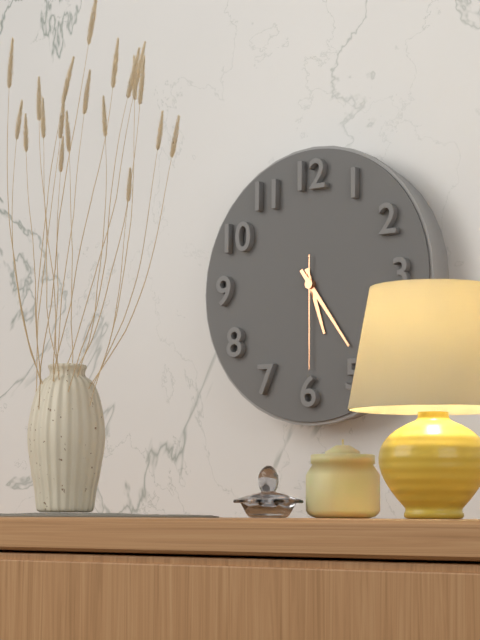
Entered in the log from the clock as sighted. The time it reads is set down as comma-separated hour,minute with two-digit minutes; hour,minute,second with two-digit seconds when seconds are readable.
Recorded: 5,24,30
